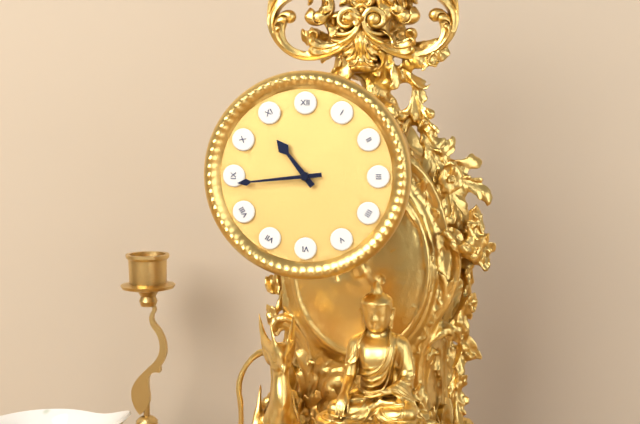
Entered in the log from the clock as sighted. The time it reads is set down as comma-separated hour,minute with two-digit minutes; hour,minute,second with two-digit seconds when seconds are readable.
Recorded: 10,44
